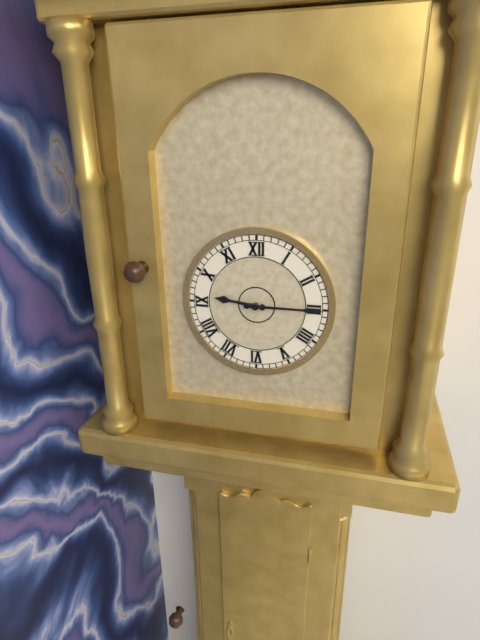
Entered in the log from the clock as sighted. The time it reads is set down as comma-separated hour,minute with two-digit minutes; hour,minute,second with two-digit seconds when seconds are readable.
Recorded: 9,15
